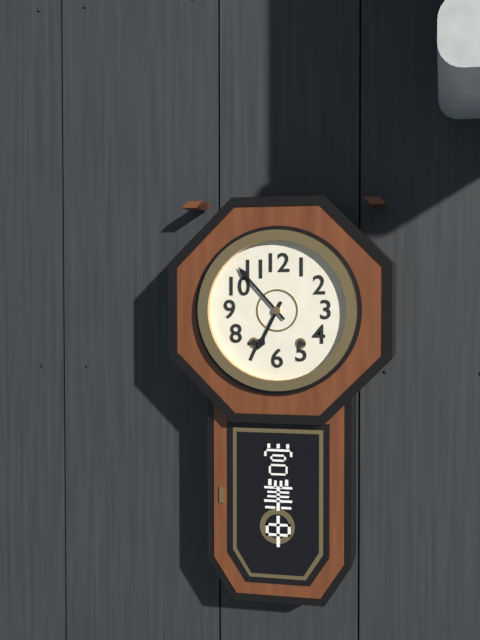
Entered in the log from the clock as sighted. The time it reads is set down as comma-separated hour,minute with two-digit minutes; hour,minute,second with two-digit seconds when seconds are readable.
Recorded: 6,53
